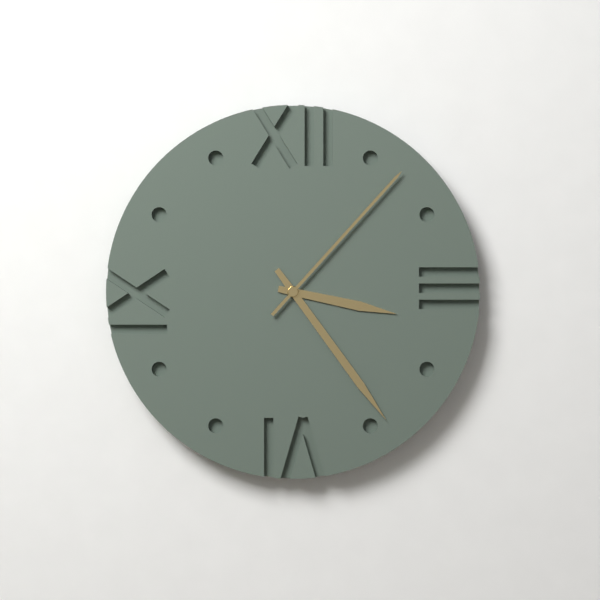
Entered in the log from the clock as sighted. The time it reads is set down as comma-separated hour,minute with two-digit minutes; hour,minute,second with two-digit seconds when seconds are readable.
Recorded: 3,24,07
